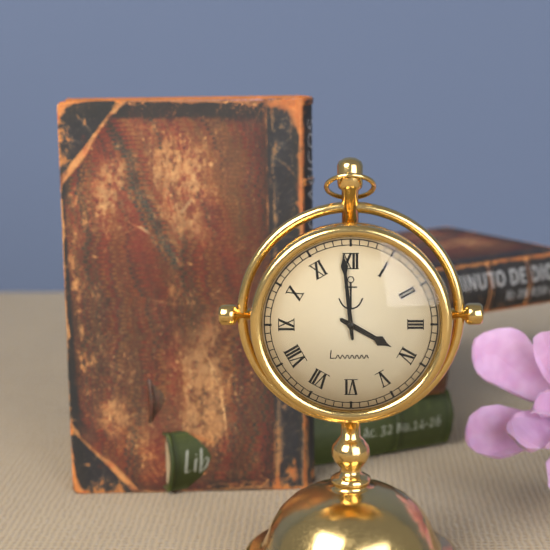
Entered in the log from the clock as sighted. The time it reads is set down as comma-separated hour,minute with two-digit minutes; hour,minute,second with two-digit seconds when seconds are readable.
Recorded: 3,59
